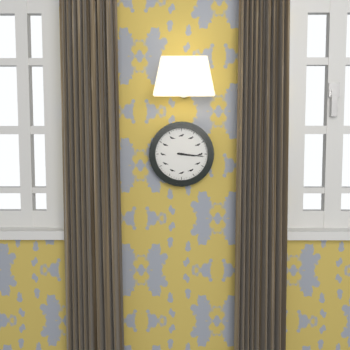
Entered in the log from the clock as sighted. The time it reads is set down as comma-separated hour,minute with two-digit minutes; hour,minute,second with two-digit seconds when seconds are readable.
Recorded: 3,16
